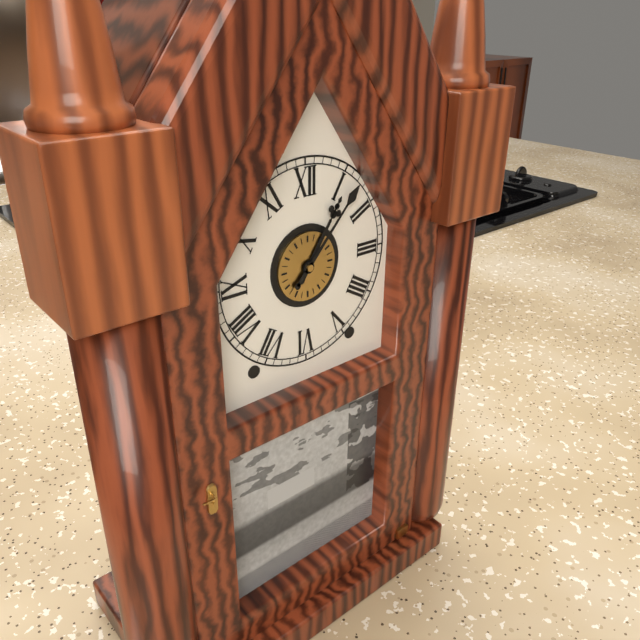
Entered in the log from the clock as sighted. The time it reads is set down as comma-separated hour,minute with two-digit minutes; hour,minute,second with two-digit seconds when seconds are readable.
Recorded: 1,07
